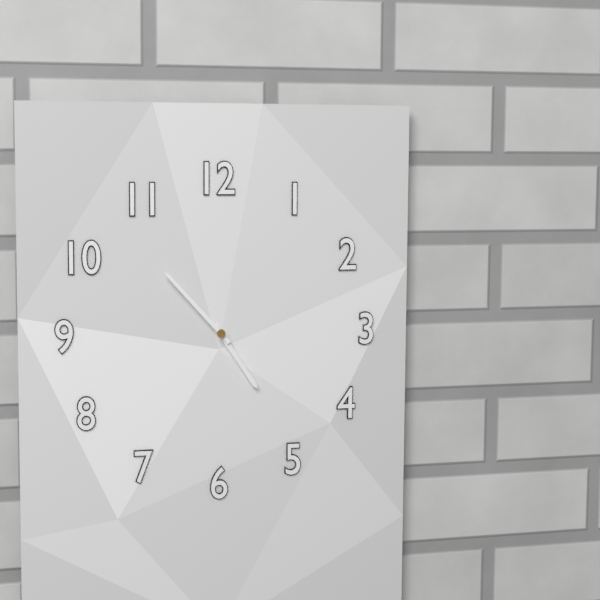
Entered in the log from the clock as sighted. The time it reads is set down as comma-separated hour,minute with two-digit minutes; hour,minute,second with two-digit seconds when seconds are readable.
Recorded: 4,53
